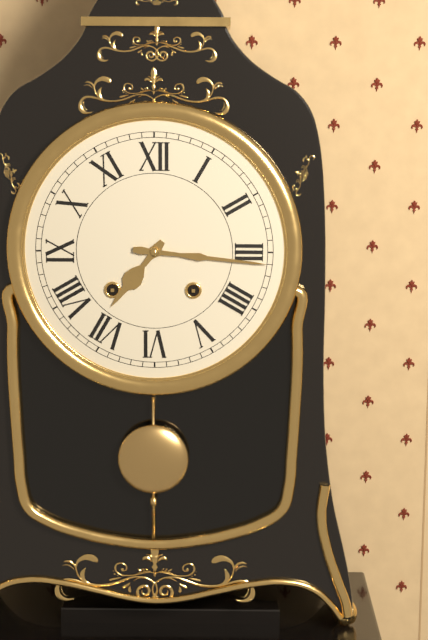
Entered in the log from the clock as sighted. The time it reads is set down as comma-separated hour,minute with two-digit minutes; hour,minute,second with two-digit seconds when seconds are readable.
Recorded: 7,16
